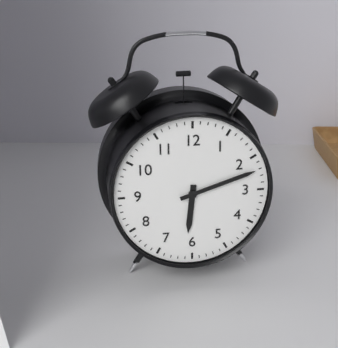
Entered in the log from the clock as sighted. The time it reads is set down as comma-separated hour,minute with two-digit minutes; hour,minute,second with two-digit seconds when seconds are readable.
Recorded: 6,12
